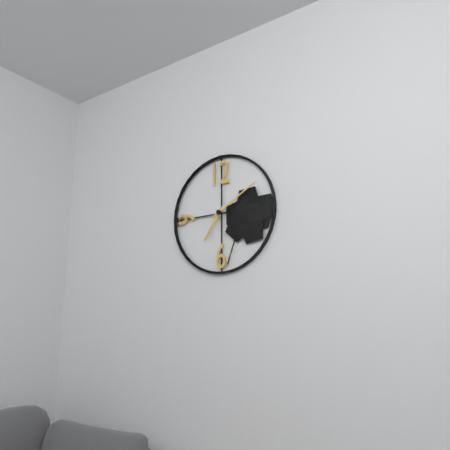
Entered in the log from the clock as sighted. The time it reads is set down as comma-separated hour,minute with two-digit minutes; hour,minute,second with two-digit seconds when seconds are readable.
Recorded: 7,10
